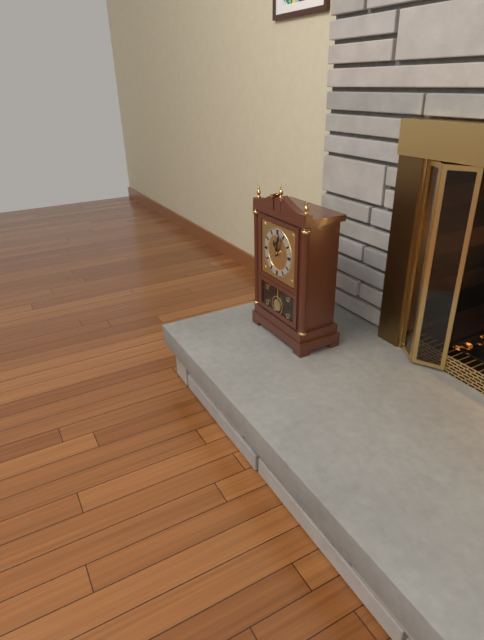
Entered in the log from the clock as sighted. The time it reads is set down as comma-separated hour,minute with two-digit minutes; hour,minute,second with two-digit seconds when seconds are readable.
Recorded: 11,02
